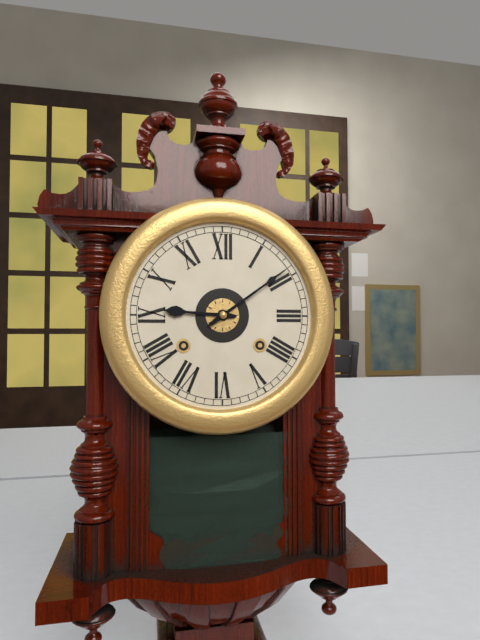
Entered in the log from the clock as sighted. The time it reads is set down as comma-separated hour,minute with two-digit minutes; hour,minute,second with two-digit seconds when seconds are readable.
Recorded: 9,09
